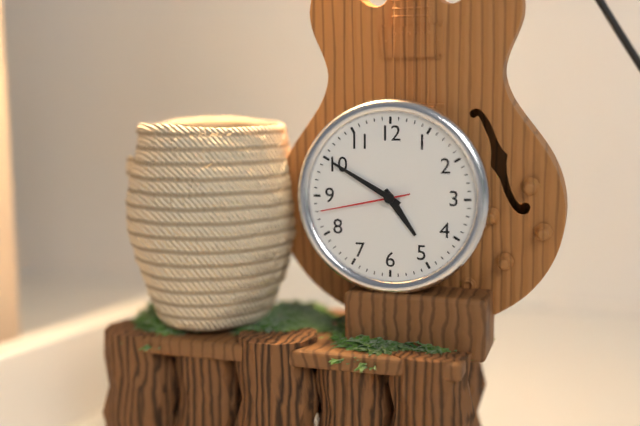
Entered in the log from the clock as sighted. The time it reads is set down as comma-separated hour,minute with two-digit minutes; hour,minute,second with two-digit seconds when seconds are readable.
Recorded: 4,50,43
